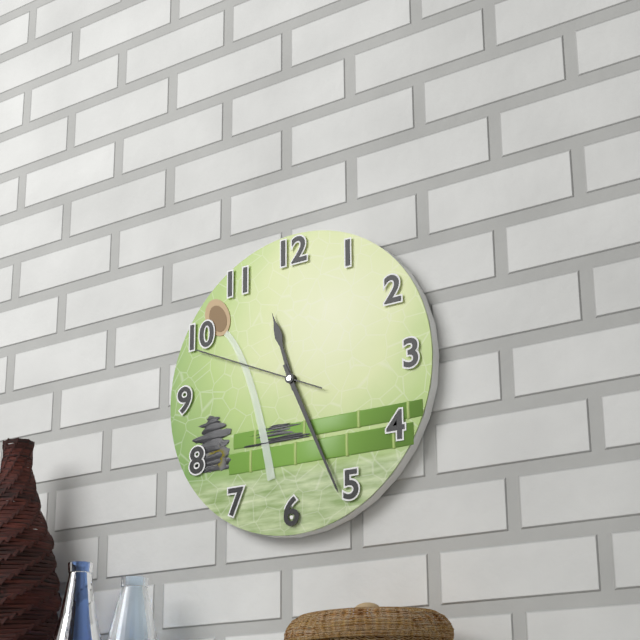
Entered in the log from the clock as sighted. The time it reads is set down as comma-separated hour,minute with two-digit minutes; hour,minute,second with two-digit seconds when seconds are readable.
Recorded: 11,26,49
